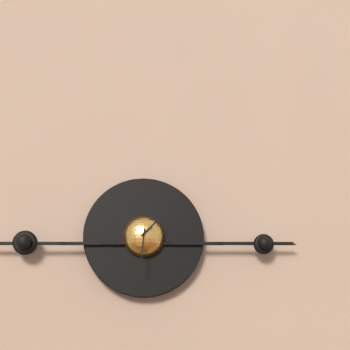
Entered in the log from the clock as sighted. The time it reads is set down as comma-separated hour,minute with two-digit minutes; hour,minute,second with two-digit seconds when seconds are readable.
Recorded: 1,31
